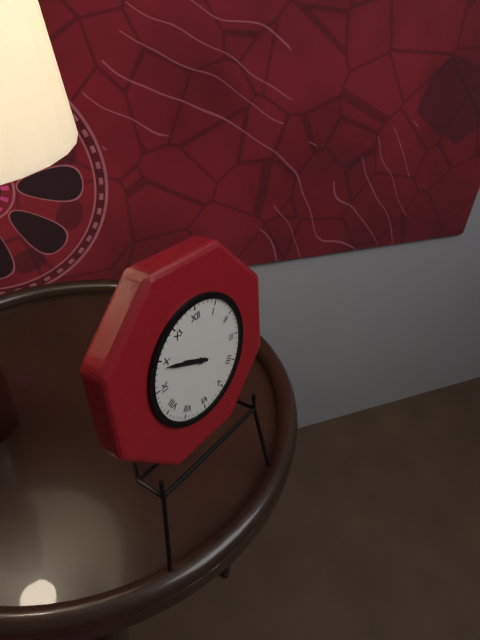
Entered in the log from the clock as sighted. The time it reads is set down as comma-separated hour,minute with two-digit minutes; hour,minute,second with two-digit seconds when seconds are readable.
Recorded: 9,49
